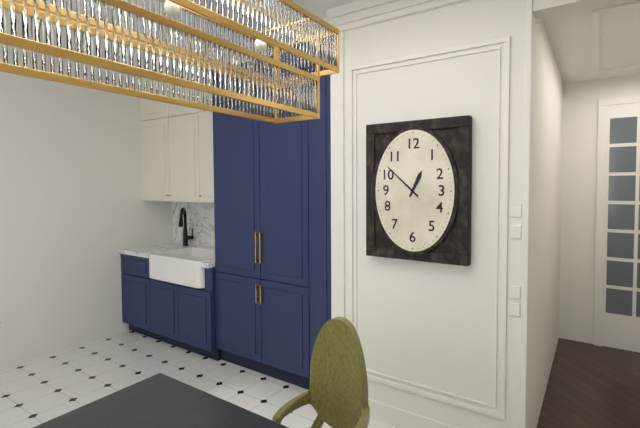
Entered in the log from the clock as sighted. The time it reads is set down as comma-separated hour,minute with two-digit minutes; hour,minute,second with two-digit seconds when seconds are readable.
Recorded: 12,52
